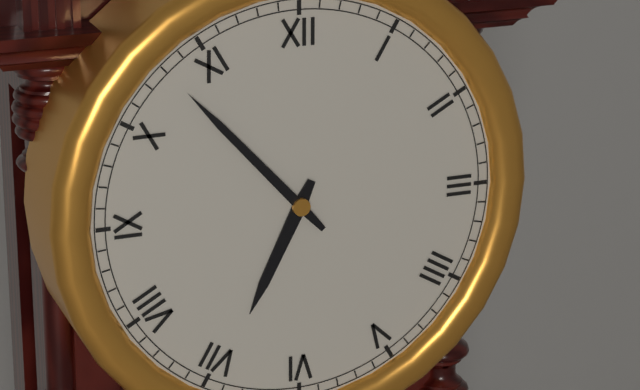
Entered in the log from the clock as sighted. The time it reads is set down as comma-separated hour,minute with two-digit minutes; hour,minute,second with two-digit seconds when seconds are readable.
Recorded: 6,53
